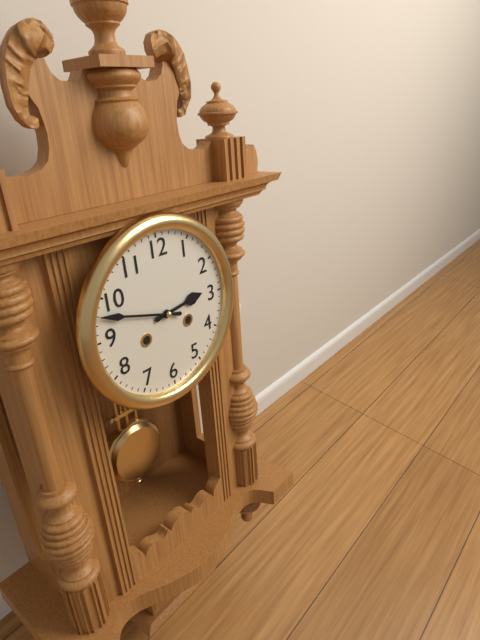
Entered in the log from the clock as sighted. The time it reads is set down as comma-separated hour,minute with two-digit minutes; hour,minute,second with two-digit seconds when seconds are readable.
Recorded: 2,48
